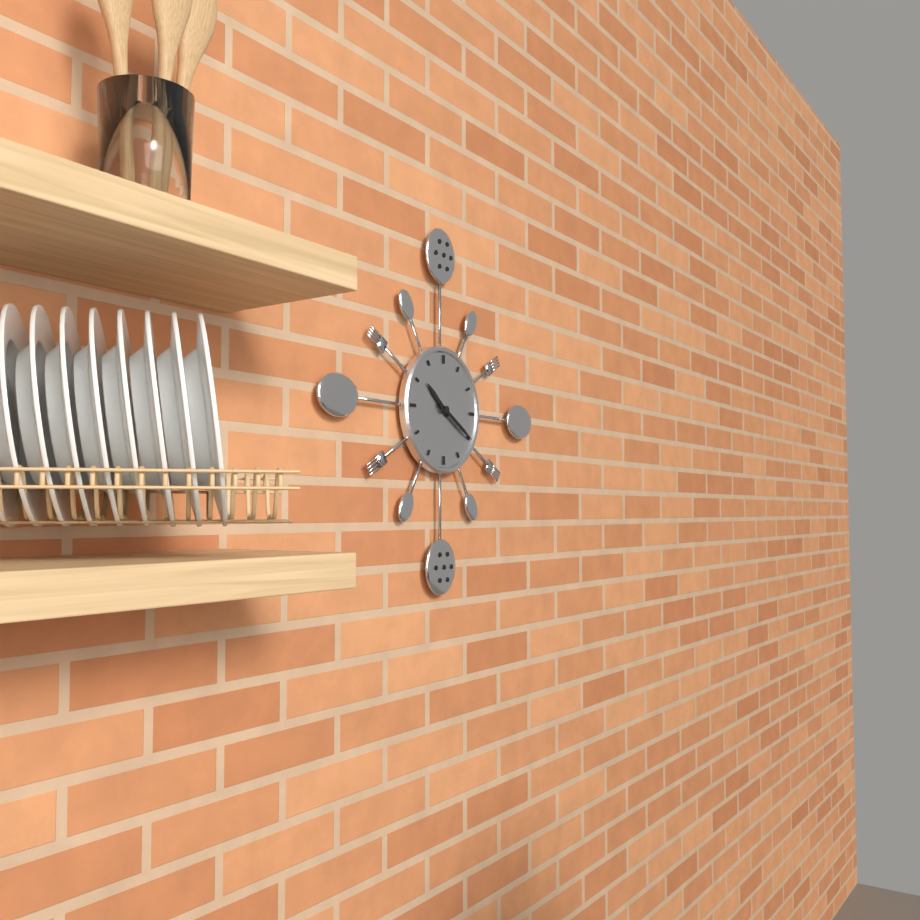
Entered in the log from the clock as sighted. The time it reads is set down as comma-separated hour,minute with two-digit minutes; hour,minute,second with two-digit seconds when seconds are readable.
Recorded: 10,20
